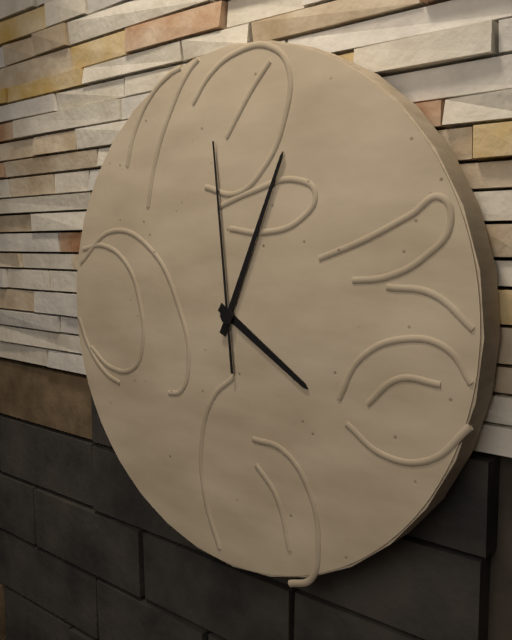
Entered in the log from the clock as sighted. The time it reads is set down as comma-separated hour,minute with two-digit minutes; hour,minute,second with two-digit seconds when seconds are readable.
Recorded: 4,04,59
